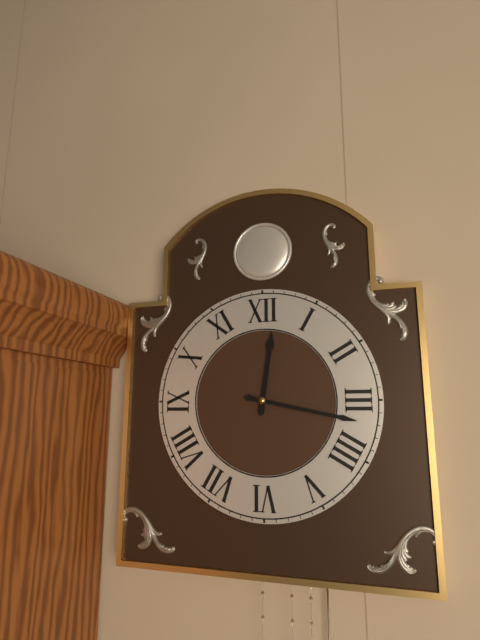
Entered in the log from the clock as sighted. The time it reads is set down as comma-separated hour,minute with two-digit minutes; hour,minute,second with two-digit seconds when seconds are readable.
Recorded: 12,17
